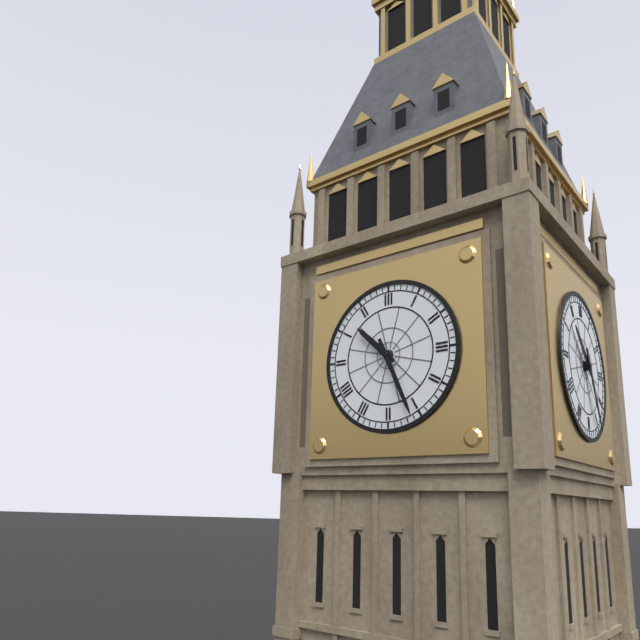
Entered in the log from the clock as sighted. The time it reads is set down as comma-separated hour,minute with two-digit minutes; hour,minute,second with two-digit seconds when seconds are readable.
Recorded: 10,26
